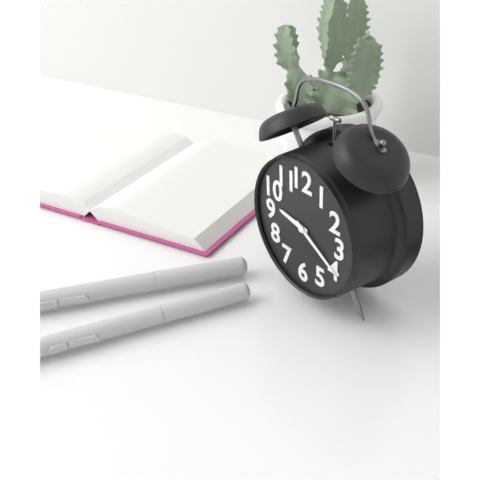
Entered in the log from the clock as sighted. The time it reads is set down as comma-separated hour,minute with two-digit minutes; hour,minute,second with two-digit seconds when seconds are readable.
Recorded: 9,20
